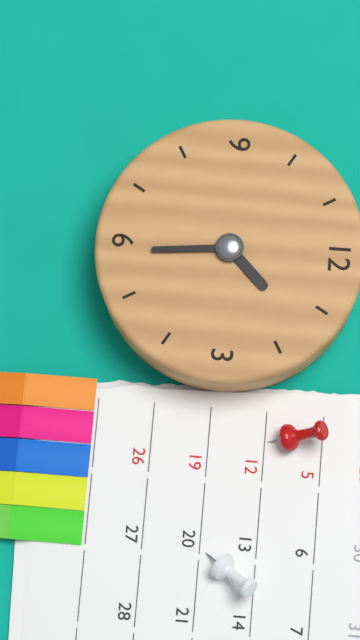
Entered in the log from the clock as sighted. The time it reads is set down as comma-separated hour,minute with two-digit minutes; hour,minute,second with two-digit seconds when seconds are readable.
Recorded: 1,29
